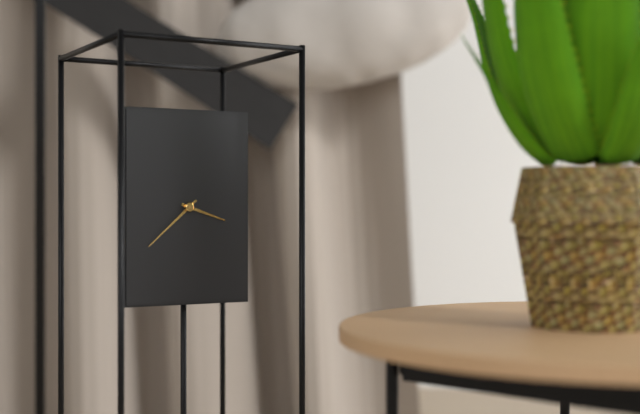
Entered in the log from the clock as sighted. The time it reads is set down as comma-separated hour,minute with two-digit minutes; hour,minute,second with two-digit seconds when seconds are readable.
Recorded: 3,38
